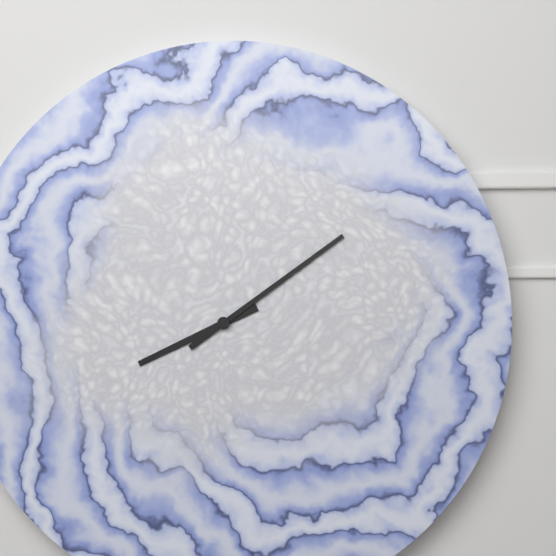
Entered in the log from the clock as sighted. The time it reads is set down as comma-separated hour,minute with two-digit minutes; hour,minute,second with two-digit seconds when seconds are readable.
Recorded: 8,09
